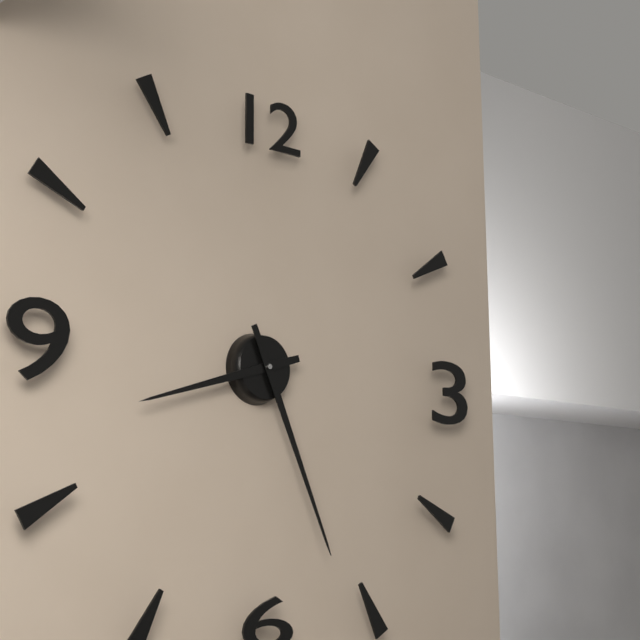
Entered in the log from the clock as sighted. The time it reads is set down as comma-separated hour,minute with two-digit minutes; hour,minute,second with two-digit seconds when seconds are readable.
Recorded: 8,26
